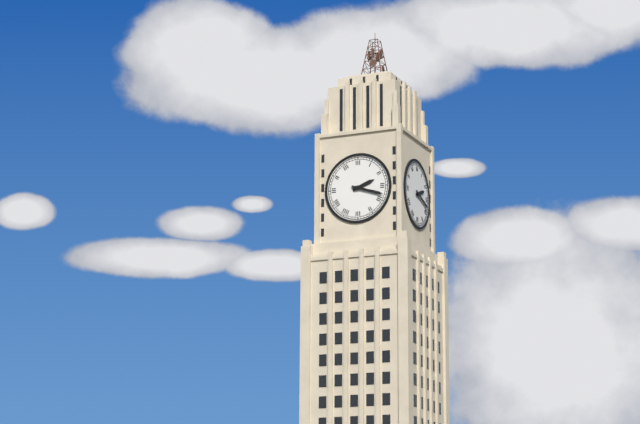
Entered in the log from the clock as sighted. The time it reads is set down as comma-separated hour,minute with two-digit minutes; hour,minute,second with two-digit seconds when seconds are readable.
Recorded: 2,18
